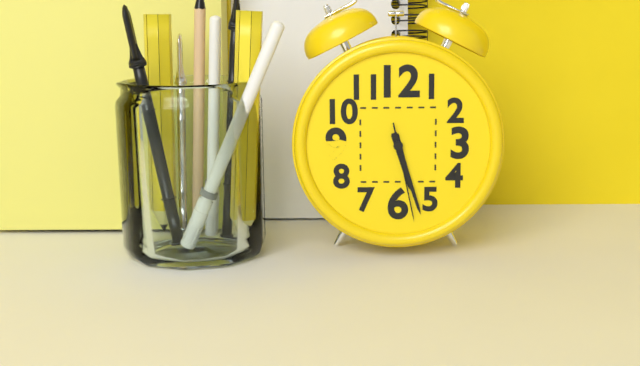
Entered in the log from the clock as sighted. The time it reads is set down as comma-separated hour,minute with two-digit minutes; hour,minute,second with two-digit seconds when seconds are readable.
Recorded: 5,27,28
